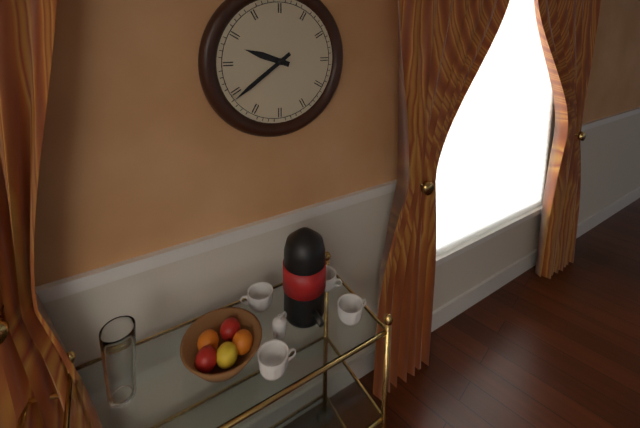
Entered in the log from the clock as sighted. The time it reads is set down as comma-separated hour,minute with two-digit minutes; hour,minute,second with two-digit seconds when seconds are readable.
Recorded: 9,39
